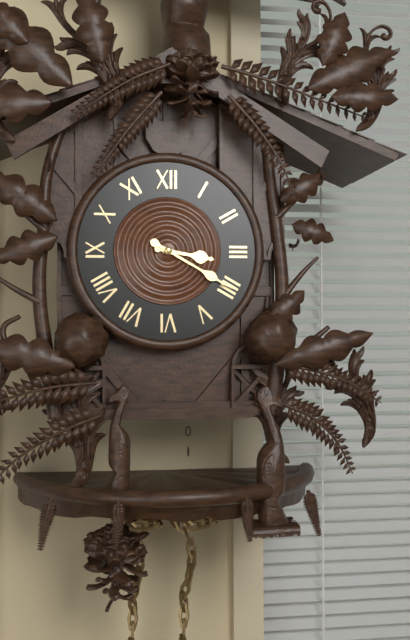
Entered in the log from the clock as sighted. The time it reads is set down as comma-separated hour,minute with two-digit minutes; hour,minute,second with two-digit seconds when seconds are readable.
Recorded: 3,20
